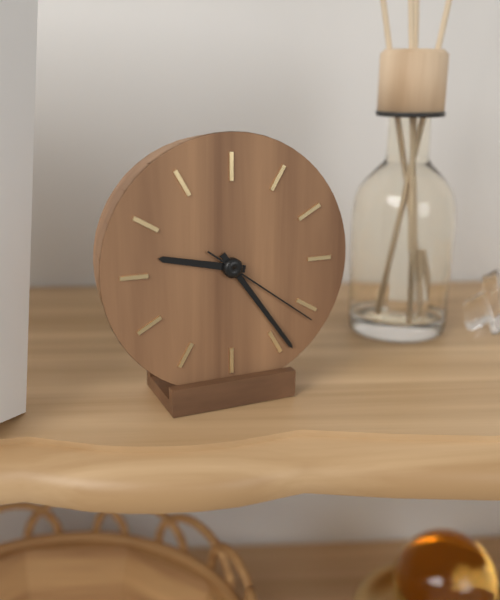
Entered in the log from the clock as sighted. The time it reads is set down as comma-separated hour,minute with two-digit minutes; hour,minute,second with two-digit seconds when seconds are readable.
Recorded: 9,24,21
